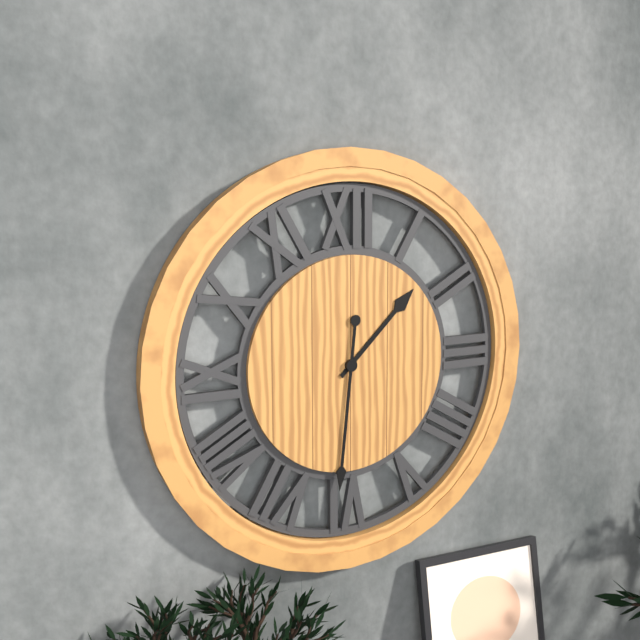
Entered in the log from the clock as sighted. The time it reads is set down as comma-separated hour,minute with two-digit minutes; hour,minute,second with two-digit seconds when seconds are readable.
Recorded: 1,31
